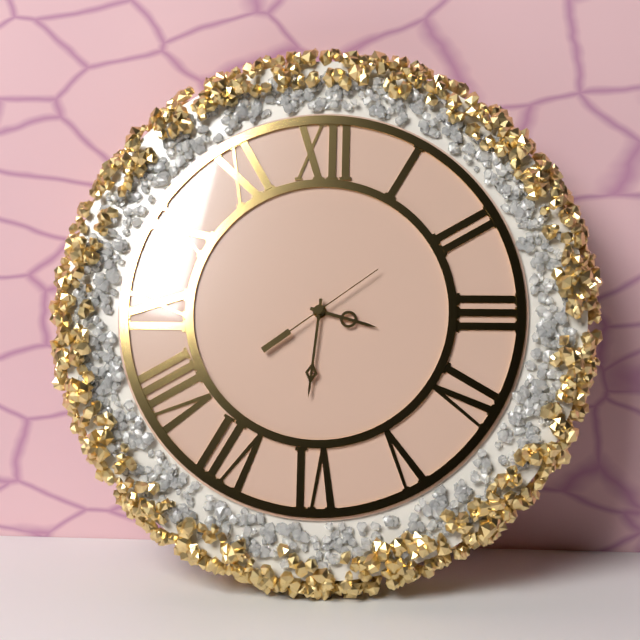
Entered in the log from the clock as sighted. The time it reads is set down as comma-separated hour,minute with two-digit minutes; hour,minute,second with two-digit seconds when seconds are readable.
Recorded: 3,31,09
